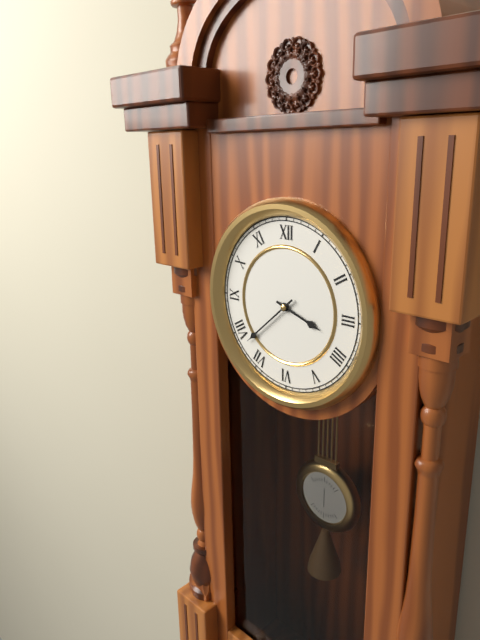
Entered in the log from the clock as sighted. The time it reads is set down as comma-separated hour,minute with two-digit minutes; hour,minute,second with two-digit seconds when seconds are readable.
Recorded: 3,38
